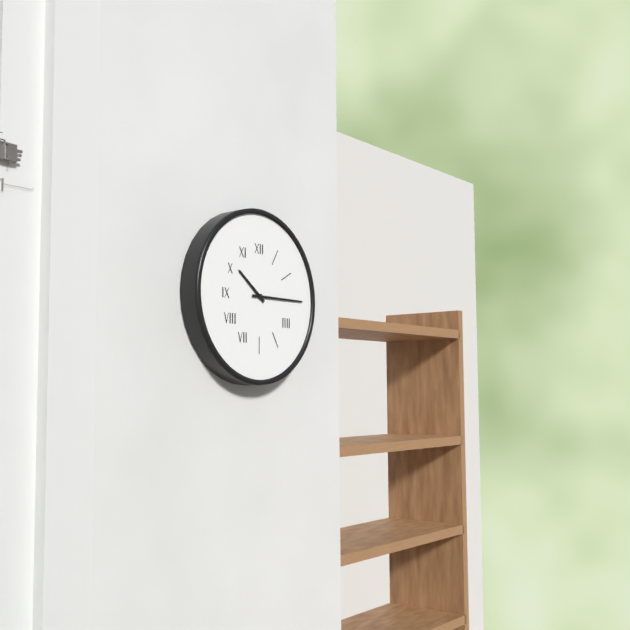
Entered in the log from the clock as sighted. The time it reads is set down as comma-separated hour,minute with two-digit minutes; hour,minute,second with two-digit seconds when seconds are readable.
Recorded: 10,15
